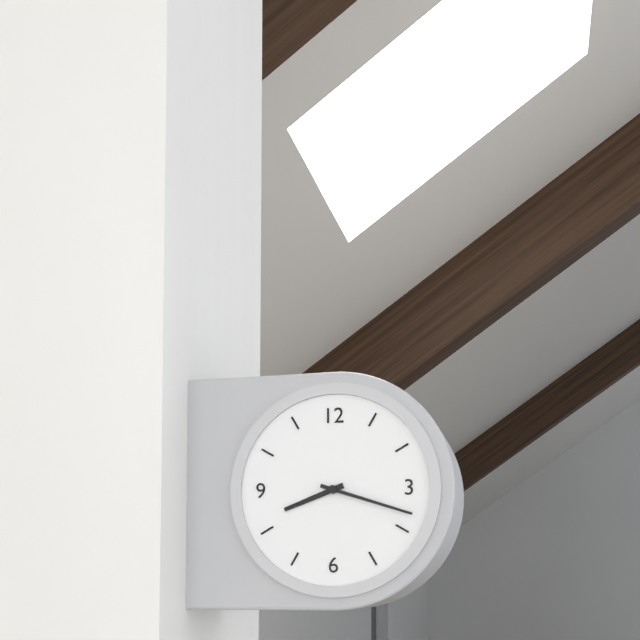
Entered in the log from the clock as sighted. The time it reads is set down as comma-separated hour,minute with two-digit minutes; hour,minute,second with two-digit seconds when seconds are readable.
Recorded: 8,18
